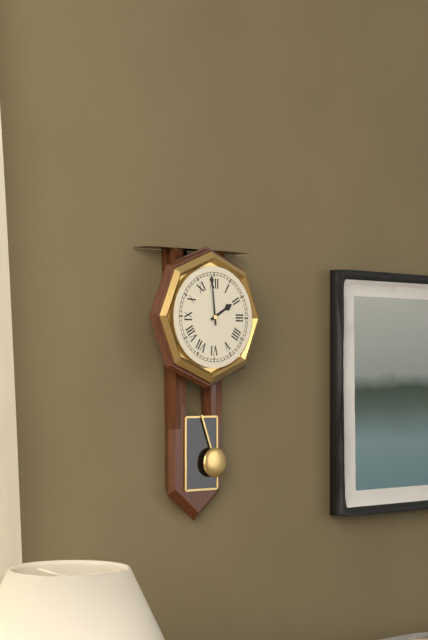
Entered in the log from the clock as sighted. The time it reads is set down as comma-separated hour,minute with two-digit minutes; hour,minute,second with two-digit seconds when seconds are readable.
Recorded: 1,59
